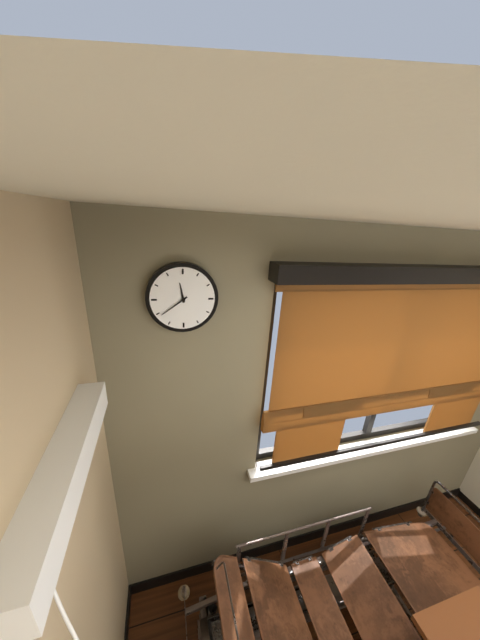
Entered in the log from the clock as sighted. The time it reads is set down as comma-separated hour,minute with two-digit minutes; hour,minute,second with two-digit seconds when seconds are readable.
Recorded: 11,39
